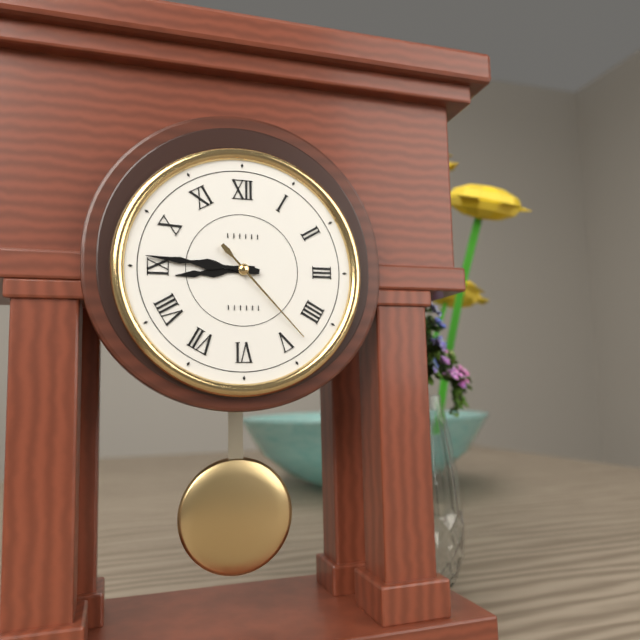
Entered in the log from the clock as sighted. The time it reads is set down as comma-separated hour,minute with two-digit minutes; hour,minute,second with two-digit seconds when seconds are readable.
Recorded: 8,46,23
